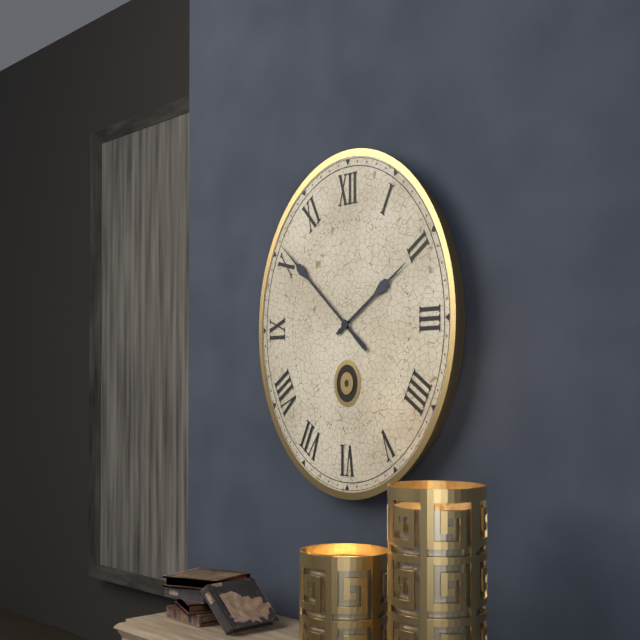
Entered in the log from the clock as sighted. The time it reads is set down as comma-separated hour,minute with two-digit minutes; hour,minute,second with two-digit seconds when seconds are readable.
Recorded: 1,52
